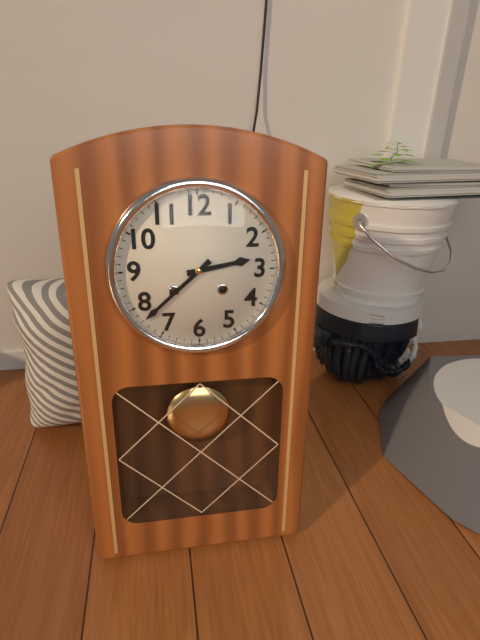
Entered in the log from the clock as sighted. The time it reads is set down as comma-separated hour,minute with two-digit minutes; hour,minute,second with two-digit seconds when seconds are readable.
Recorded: 2,38
